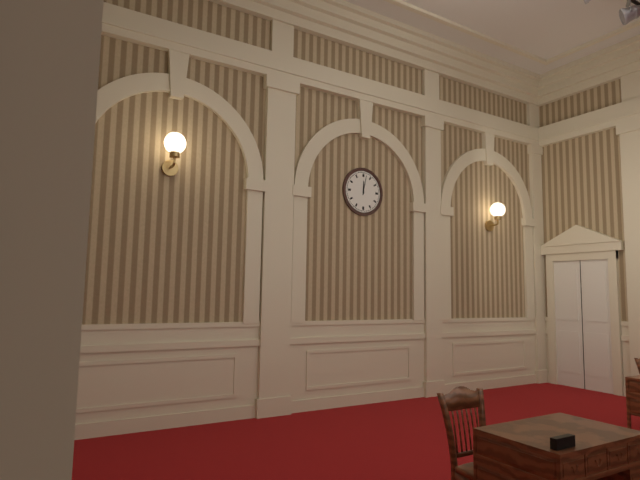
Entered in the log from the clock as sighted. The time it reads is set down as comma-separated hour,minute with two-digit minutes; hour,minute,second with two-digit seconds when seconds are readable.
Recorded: 12,02
